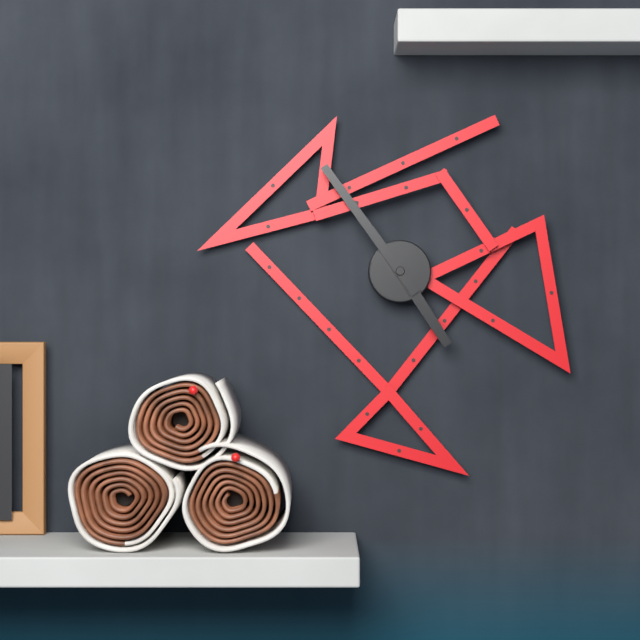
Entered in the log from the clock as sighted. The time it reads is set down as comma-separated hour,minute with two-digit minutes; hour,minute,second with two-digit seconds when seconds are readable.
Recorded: 4,54
